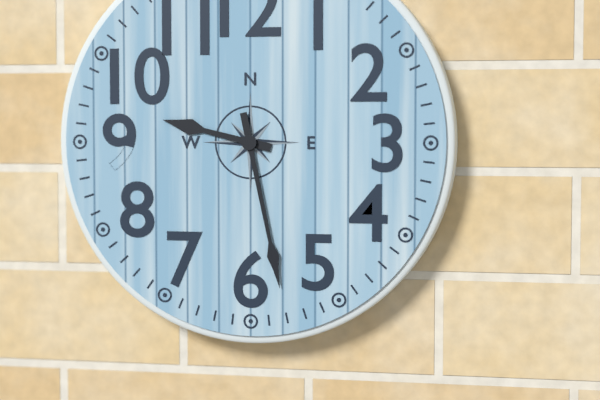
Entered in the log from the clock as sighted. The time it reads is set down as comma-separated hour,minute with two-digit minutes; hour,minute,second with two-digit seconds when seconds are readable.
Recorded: 9,28
